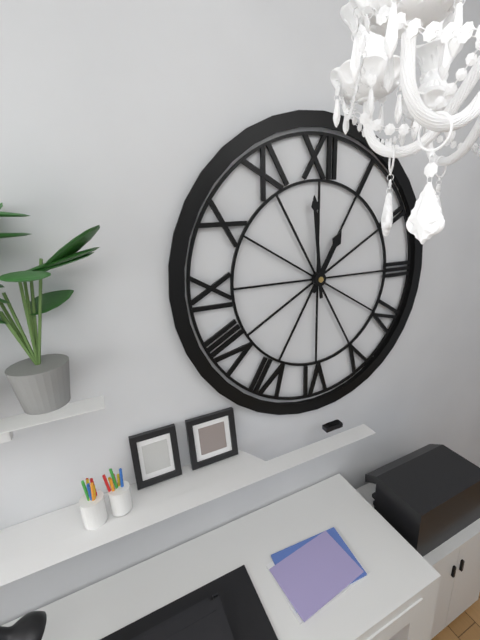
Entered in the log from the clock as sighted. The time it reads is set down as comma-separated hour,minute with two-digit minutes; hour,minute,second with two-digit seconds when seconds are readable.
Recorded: 12,59
